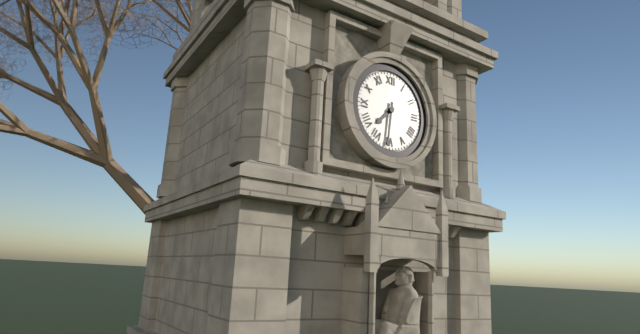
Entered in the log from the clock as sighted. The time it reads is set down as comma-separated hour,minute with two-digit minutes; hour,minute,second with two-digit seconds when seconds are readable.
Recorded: 7,31
